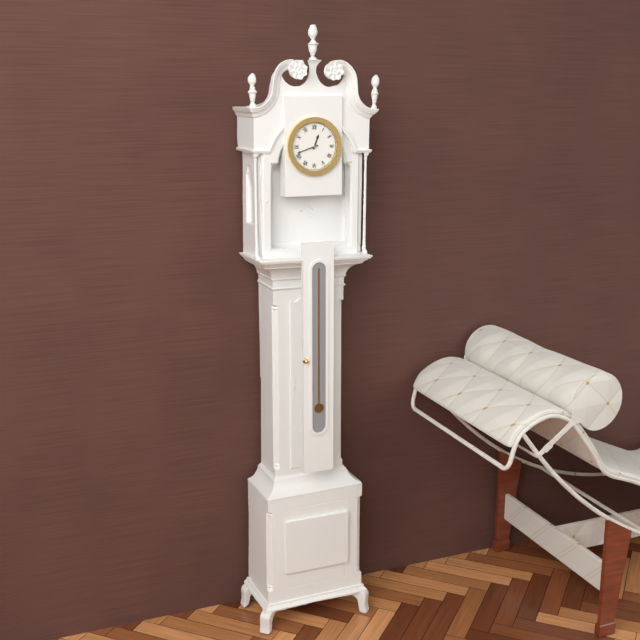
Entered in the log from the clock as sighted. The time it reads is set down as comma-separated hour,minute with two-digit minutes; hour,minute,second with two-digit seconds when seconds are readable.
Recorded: 12,42
